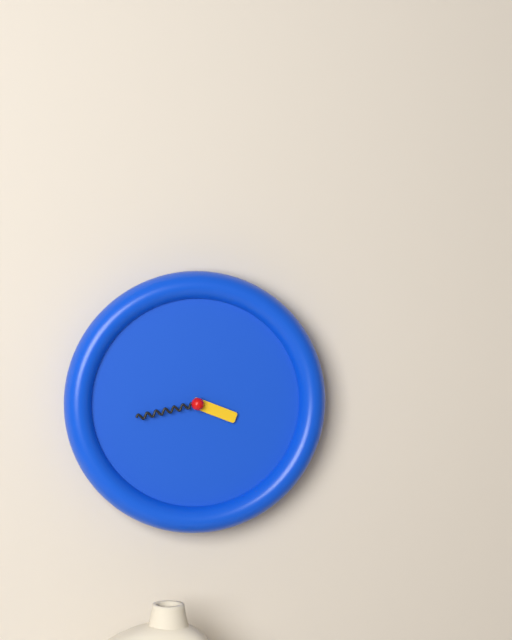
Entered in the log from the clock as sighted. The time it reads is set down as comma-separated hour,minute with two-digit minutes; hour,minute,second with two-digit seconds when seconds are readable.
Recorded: 3,43
